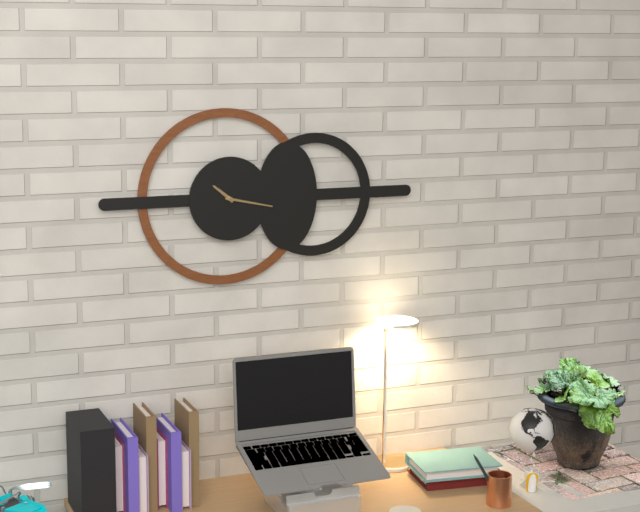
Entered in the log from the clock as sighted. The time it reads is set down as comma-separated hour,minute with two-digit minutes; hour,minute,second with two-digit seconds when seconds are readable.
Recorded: 10,17
